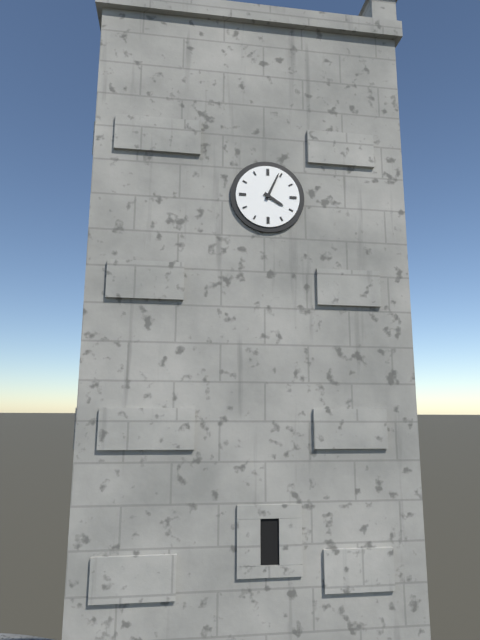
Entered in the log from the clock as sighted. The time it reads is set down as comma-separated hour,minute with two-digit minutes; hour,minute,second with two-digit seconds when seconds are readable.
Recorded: 4,04
